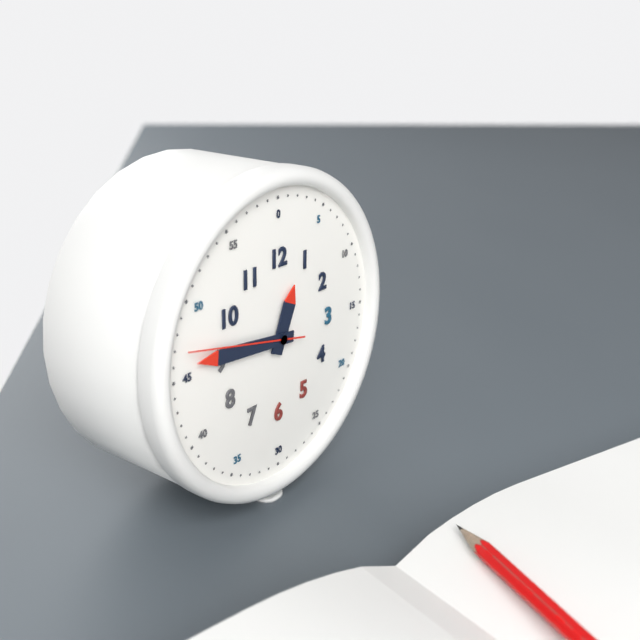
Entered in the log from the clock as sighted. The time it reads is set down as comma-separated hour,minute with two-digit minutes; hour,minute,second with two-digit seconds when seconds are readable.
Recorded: 12,46,47
